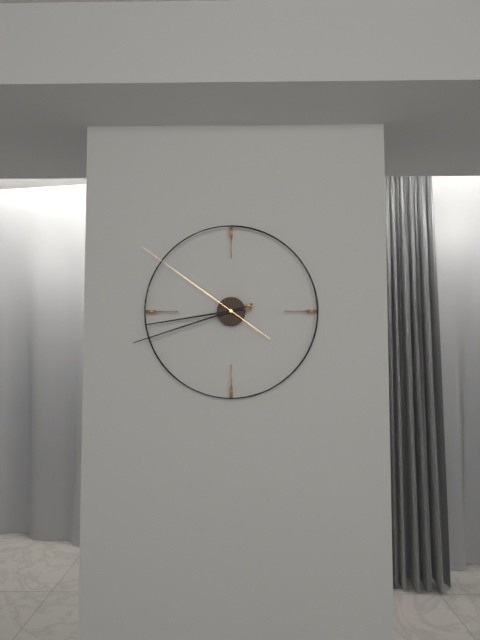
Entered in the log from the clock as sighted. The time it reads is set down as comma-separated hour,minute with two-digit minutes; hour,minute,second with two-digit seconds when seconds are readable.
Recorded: 8,42,51
